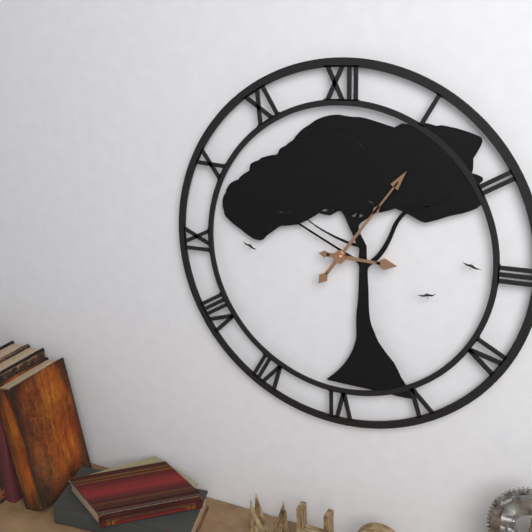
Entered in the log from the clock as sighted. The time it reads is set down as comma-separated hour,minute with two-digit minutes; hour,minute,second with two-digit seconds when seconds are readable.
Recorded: 3,06
